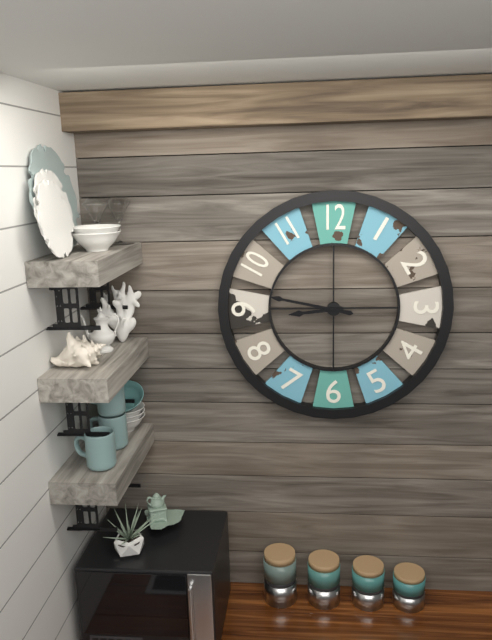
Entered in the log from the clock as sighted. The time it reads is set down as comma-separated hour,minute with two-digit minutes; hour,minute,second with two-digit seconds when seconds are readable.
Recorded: 8,47
